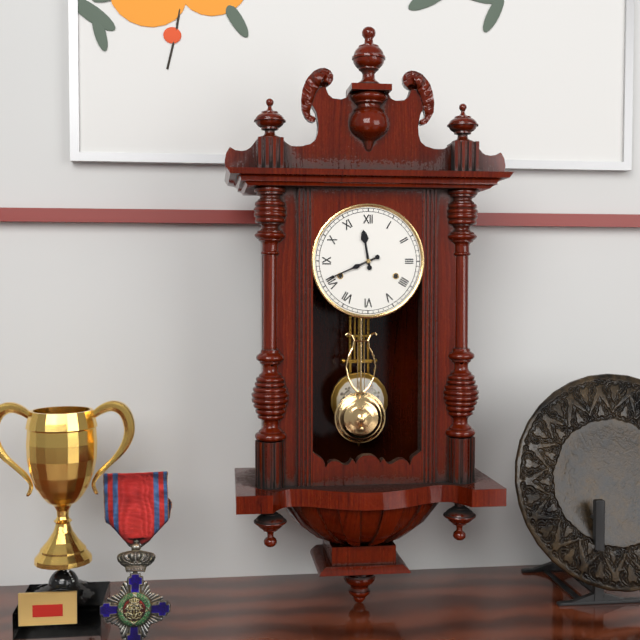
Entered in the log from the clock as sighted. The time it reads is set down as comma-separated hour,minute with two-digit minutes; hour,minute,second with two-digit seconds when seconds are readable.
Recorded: 11,41
